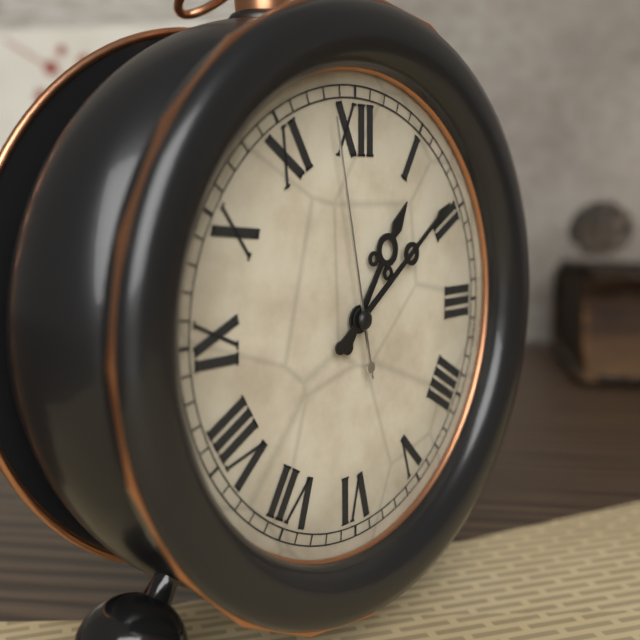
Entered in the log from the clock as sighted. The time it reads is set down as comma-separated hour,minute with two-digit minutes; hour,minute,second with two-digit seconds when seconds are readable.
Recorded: 1,09,58
